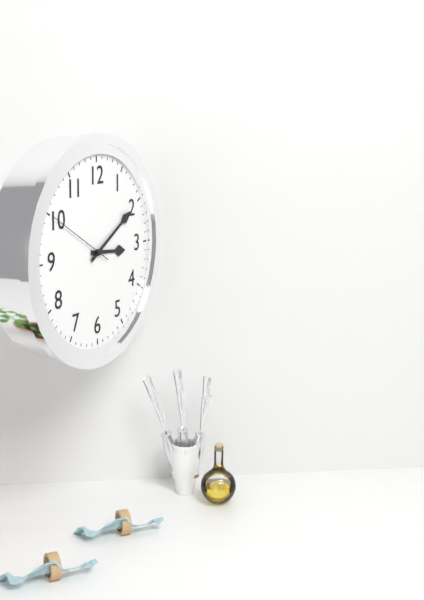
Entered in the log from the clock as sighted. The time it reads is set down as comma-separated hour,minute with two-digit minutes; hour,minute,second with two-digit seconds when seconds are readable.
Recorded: 3,10,50
